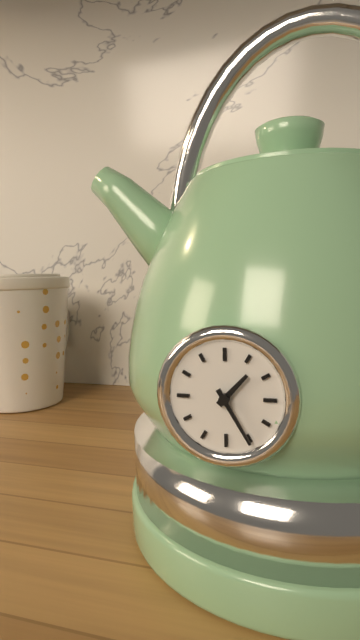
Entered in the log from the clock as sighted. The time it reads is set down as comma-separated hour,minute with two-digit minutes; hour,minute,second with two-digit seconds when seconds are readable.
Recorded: 1,25
